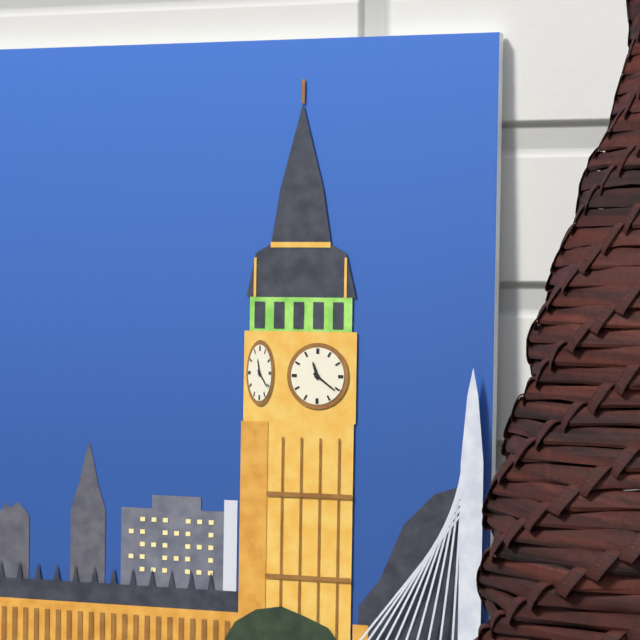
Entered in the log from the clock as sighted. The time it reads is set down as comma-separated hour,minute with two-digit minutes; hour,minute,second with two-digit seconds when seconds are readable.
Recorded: 11,21
